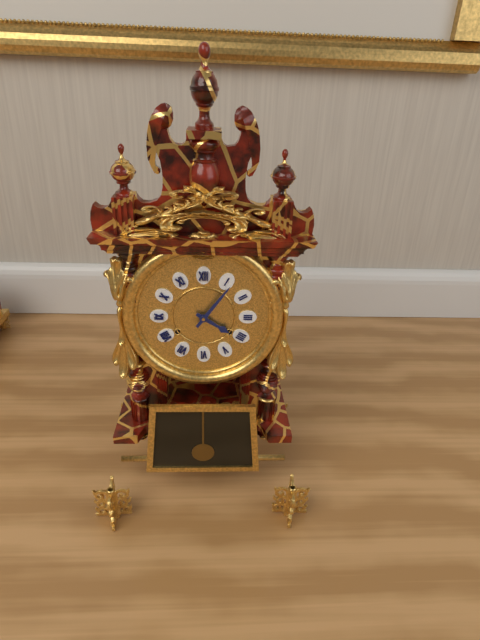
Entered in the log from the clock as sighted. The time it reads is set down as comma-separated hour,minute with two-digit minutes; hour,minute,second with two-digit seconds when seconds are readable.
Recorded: 4,06
